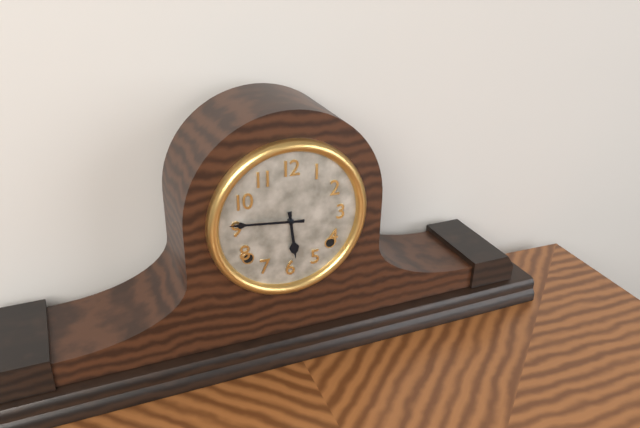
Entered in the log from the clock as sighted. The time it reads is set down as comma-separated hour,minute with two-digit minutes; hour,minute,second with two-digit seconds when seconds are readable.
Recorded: 5,46
